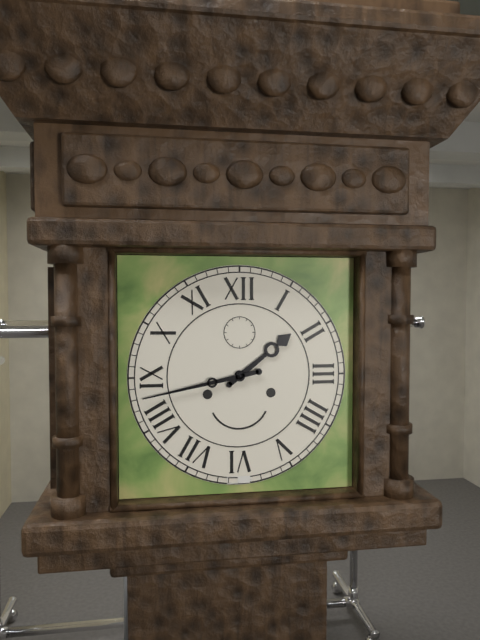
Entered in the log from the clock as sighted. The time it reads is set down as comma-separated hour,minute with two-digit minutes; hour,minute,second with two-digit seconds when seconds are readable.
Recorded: 1,43
